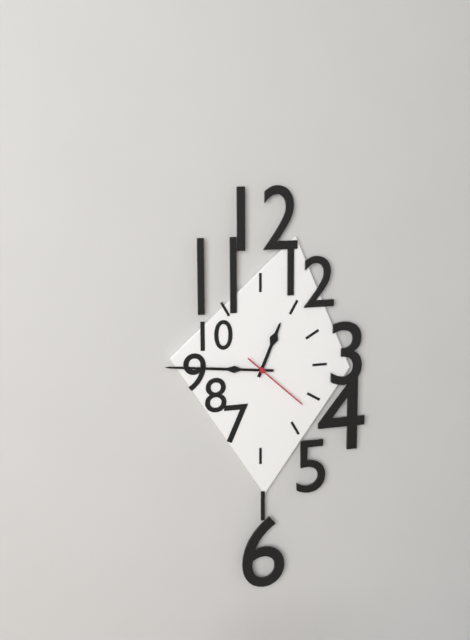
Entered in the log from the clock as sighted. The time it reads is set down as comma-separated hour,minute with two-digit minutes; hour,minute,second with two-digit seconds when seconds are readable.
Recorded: 12,46,22
